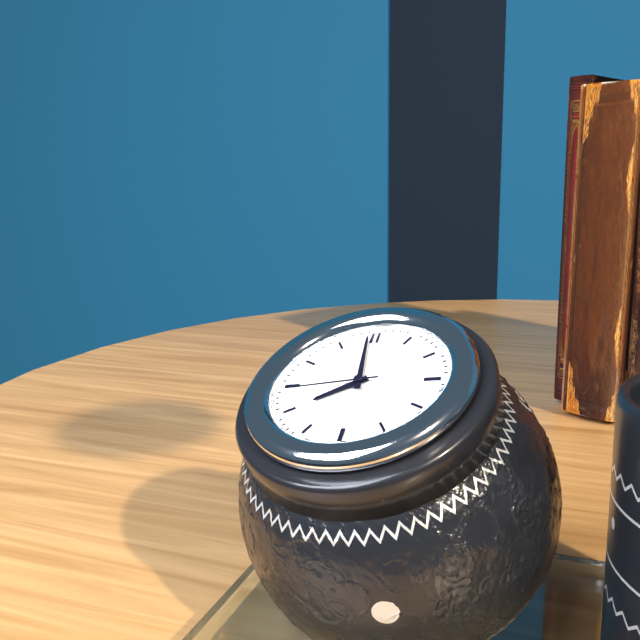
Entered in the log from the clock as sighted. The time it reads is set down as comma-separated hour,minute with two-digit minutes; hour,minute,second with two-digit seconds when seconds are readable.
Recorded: 7,59,44
